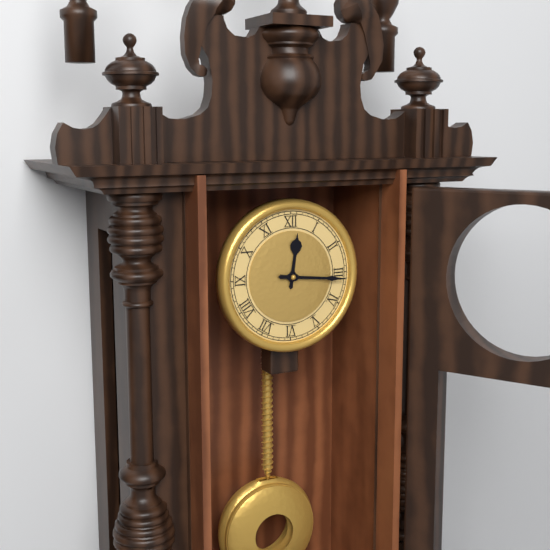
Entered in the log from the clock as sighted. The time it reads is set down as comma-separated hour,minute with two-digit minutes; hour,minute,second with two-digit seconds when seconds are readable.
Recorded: 12,16
